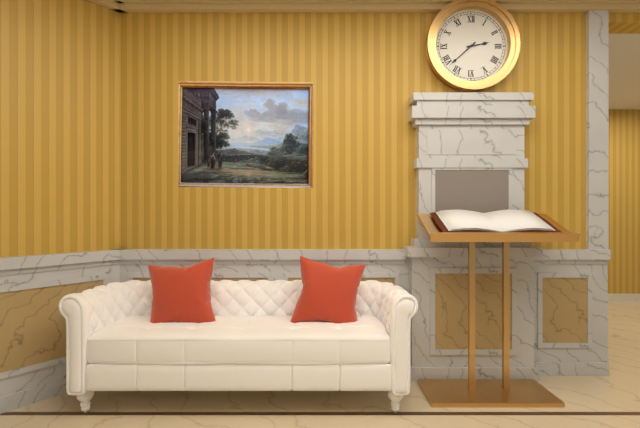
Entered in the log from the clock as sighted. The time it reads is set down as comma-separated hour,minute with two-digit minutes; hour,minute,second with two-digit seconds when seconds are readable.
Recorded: 2,38
